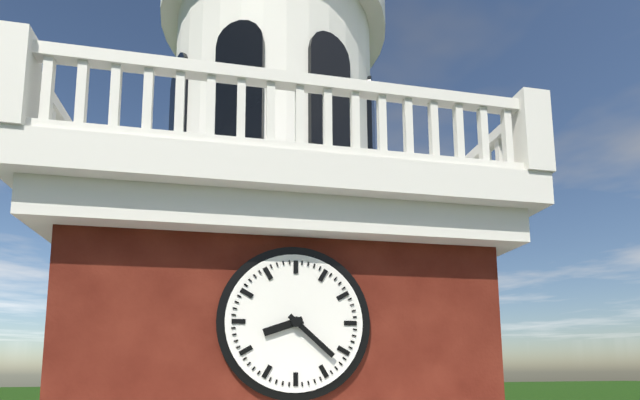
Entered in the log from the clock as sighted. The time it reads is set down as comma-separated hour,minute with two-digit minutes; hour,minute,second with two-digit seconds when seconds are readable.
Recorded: 8,22
